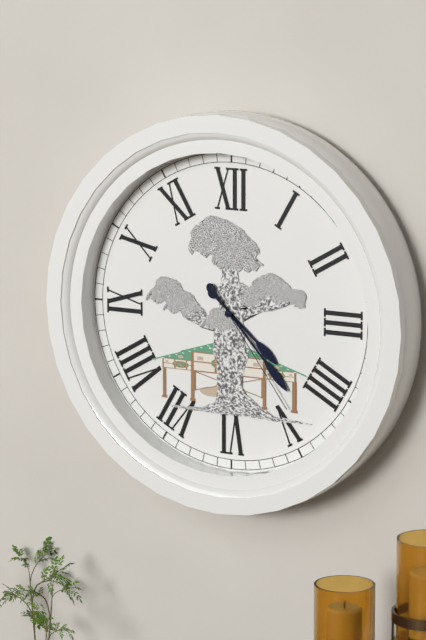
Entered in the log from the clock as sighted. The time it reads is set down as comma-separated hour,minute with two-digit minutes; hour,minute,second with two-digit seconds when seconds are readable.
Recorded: 4,23,24
